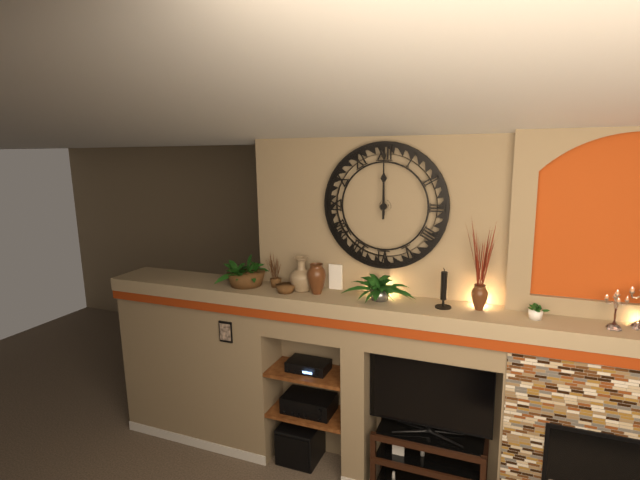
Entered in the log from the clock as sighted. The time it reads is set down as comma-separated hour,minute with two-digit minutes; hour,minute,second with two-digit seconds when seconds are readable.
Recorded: 12,00
